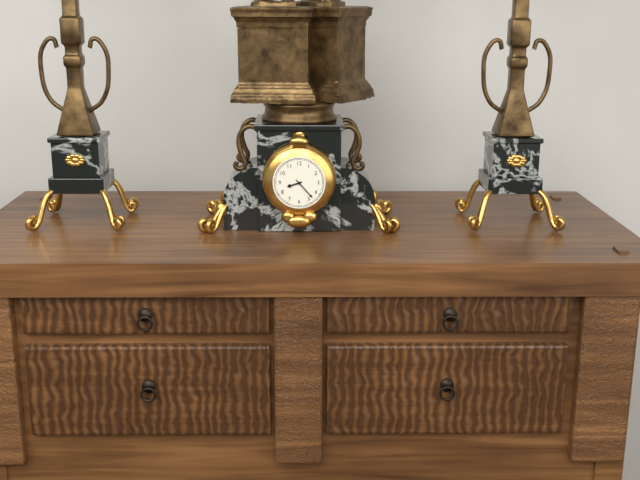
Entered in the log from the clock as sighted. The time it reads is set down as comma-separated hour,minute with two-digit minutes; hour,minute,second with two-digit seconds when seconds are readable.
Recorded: 8,23
